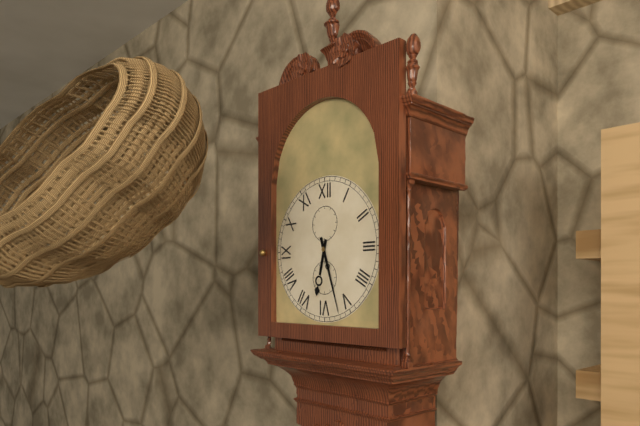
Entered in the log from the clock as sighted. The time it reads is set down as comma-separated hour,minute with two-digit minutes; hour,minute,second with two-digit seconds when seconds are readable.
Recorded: 6,27
